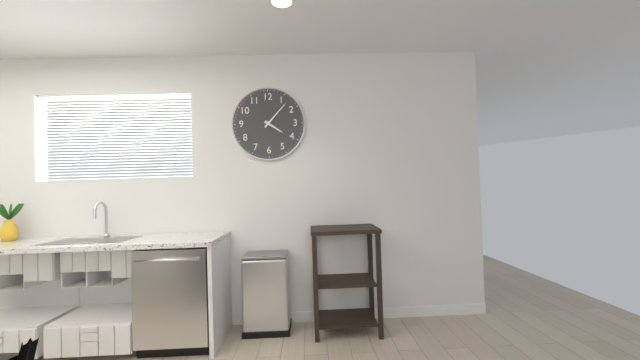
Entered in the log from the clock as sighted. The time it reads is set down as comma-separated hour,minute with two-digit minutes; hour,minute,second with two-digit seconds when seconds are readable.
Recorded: 4,07
